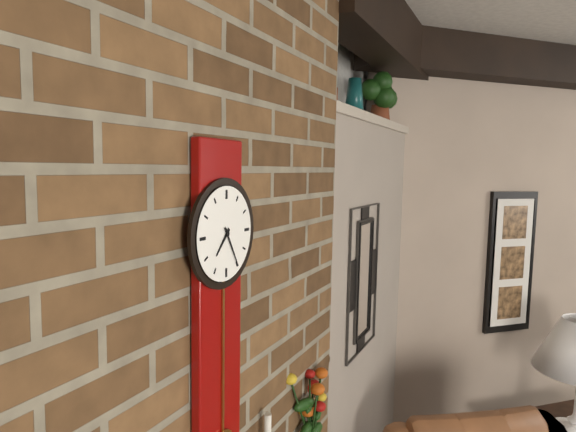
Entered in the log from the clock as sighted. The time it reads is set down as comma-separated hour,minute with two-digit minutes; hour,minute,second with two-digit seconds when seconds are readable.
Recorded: 7,25
